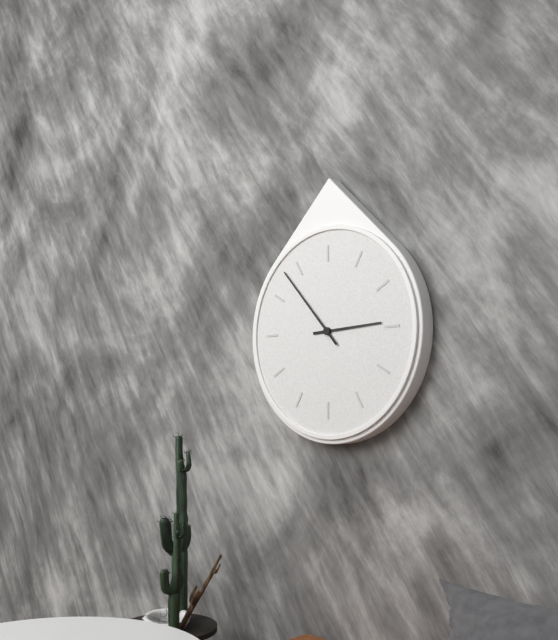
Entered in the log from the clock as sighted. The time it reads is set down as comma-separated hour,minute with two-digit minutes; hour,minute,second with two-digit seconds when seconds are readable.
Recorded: 2,53
